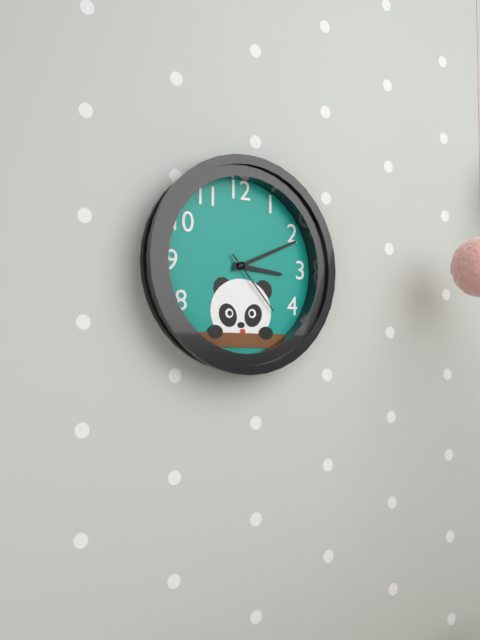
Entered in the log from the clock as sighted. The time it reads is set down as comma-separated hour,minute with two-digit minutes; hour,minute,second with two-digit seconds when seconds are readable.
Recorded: 3,11,23
